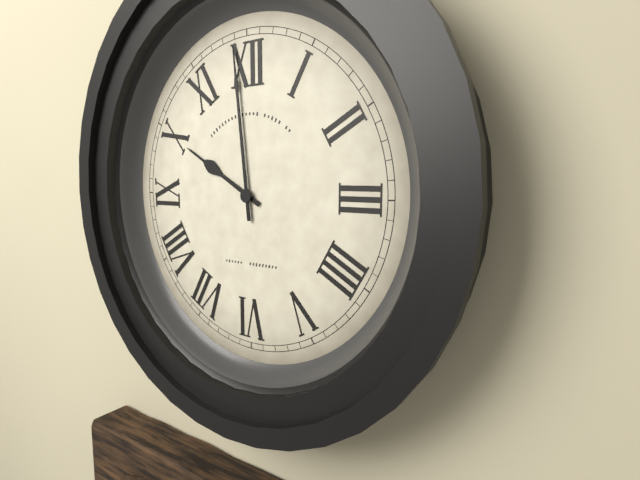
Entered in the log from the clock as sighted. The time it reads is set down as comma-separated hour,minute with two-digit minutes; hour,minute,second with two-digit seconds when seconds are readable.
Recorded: 9,59
